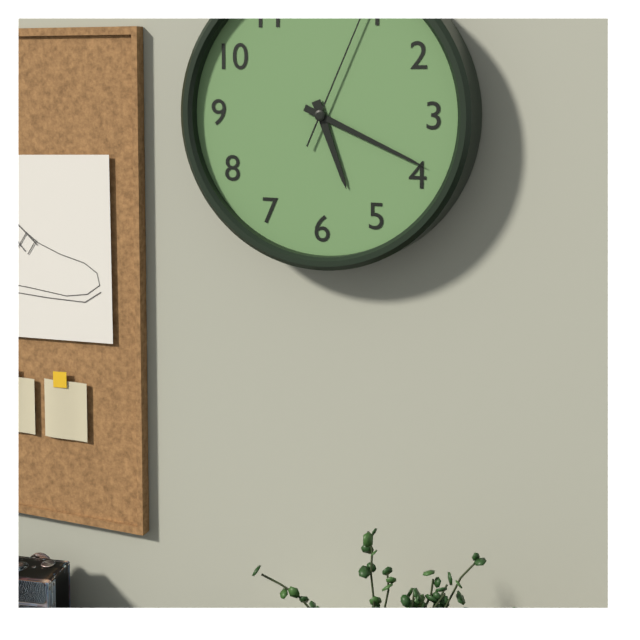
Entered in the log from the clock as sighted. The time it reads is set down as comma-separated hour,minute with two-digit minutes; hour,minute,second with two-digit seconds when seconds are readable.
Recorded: 5,19
